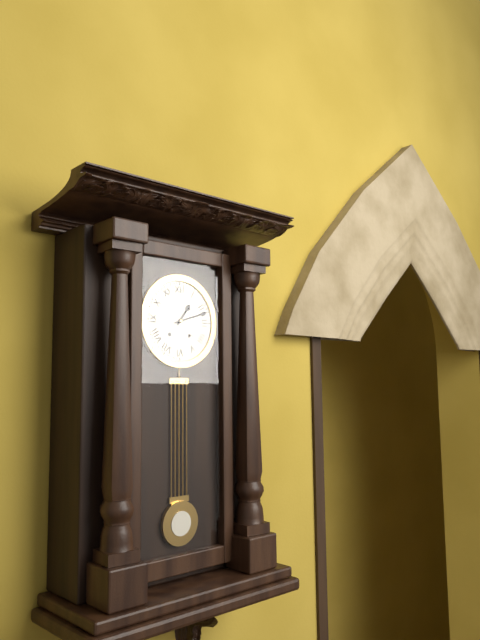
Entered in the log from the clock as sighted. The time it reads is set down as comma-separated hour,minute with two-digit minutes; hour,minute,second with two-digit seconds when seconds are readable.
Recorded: 1,12
